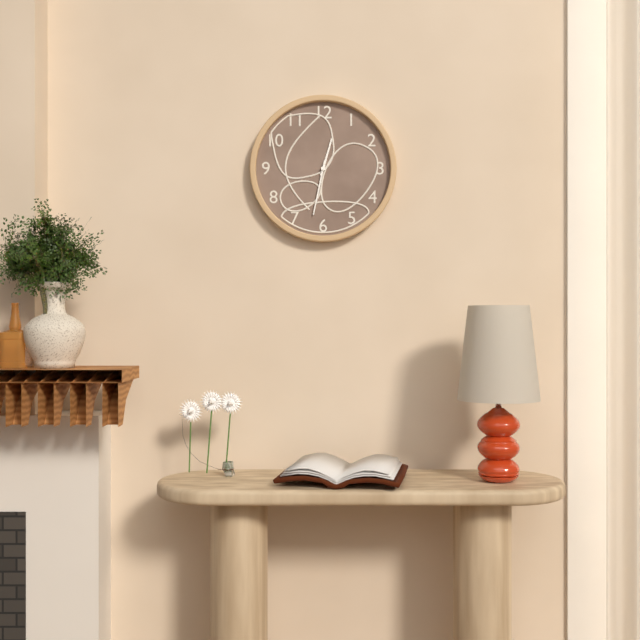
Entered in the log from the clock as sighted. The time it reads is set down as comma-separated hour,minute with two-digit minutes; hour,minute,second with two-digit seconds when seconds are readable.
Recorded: 12,32
